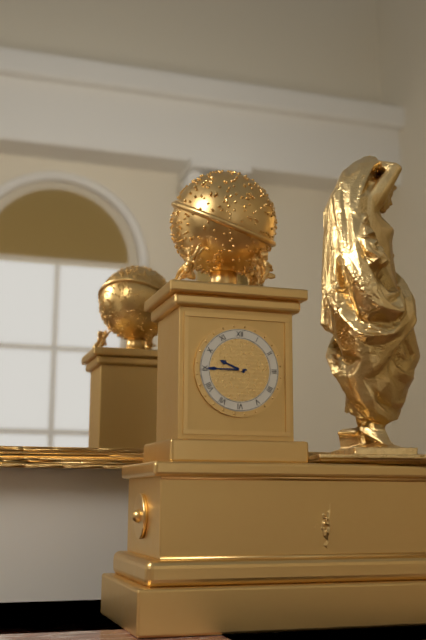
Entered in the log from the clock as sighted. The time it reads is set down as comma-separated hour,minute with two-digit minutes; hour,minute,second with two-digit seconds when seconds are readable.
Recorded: 9,45
